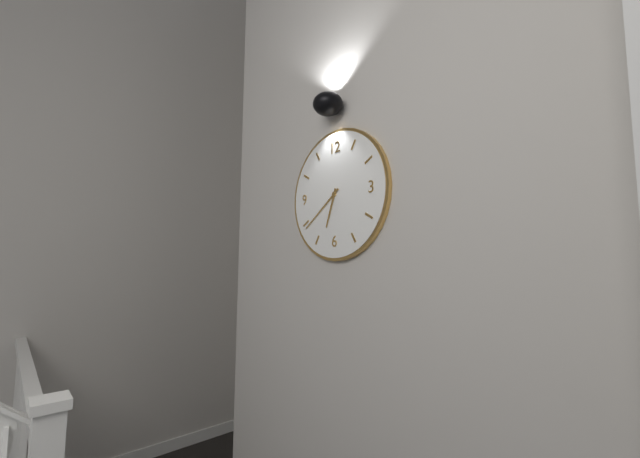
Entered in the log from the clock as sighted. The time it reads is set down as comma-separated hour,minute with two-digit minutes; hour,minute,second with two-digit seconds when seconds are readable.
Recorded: 6,39
